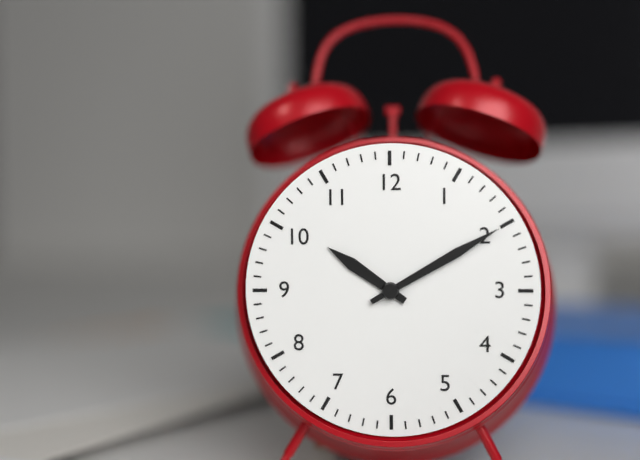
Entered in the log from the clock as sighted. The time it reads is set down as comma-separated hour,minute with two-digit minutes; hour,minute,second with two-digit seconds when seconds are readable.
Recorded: 10,10
